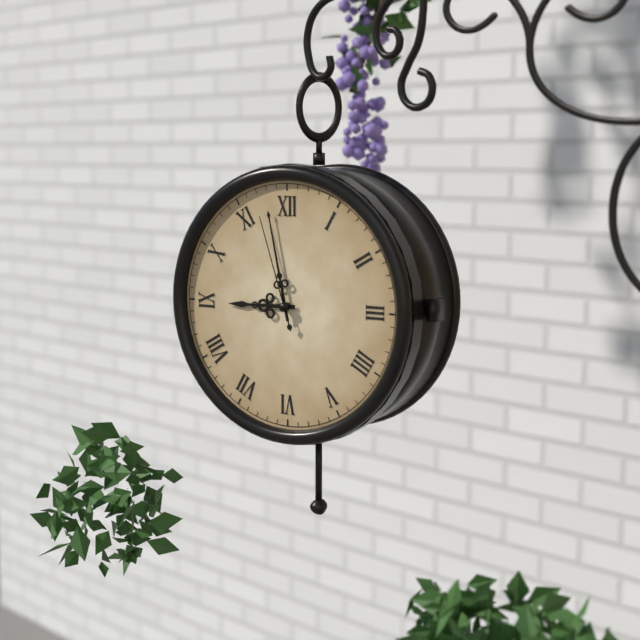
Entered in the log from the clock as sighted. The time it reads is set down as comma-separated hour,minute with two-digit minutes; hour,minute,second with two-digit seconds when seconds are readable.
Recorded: 8,58,57
